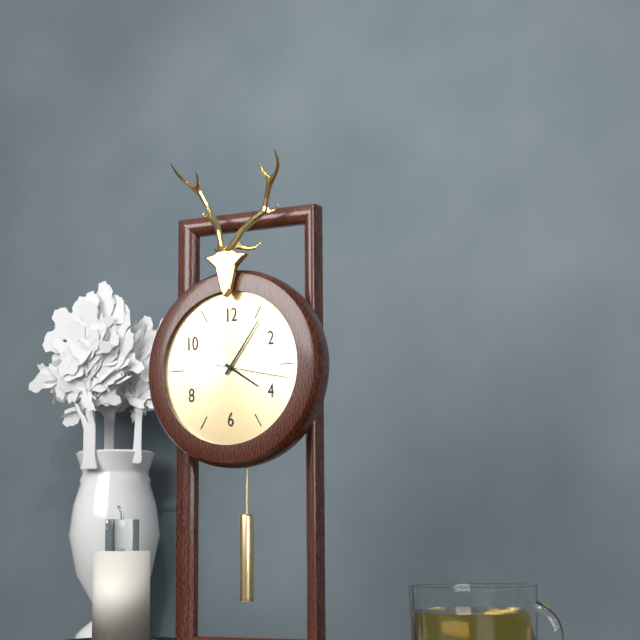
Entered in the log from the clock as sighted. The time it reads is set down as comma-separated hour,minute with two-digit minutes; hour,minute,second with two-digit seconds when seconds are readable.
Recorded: 4,06,17
